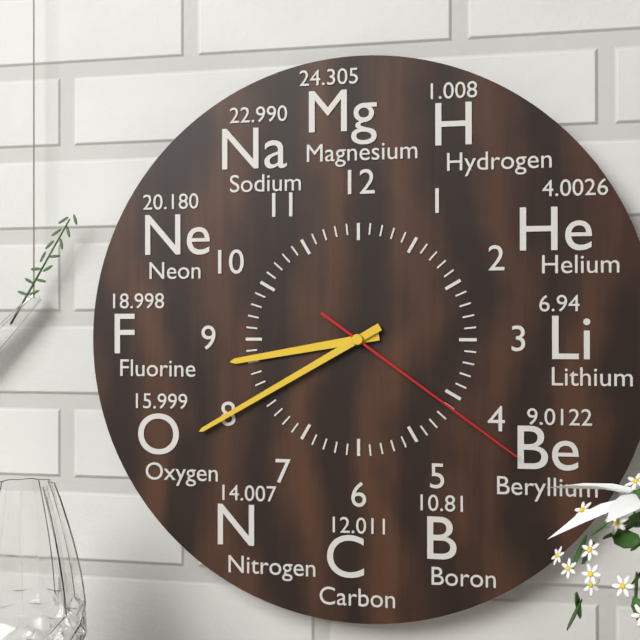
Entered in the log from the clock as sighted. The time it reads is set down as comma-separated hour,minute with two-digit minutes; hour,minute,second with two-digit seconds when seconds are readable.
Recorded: 8,40,21
